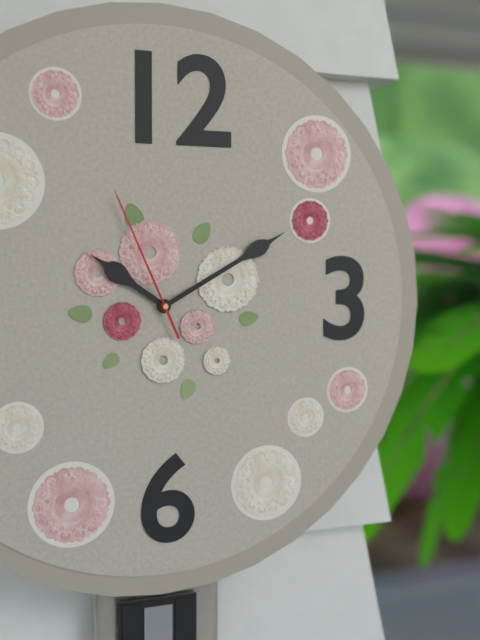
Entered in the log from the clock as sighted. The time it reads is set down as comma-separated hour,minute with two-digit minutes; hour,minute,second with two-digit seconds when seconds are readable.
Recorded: 10,10,56
